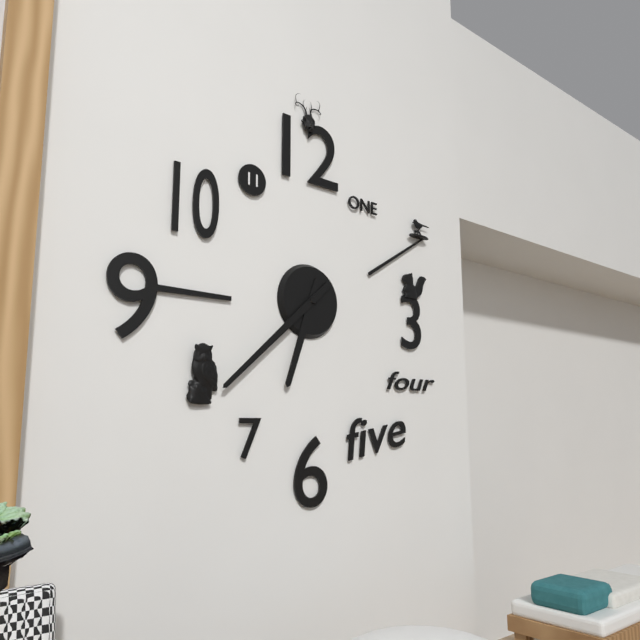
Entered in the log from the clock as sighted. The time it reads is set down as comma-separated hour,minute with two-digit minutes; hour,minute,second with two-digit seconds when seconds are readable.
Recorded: 6,38
